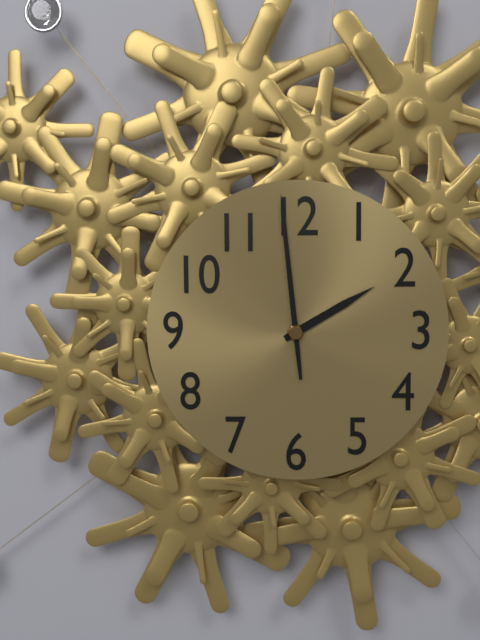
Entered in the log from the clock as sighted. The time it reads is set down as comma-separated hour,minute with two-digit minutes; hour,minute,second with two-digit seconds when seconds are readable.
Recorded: 1,59
